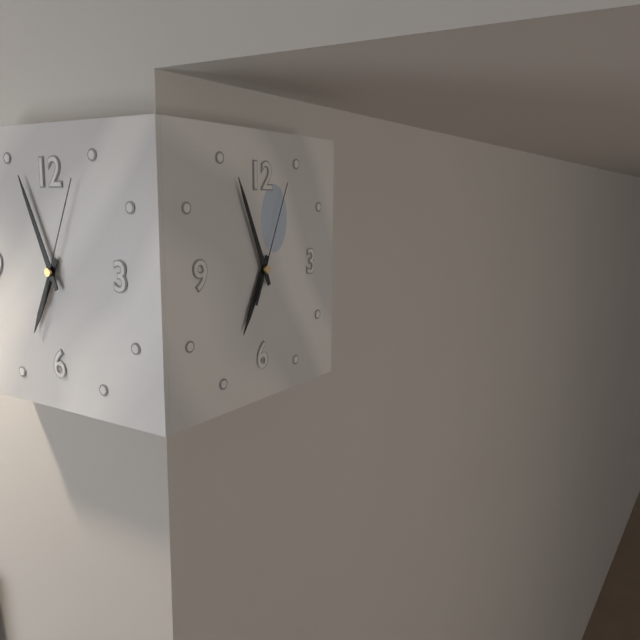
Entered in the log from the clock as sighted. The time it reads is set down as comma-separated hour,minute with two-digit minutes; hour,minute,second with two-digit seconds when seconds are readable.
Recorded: 6,56,04
